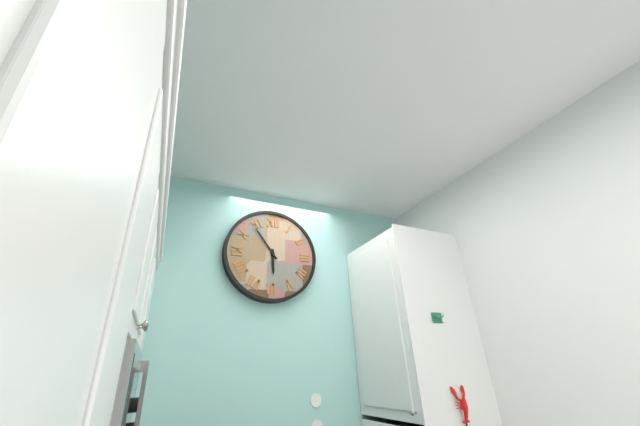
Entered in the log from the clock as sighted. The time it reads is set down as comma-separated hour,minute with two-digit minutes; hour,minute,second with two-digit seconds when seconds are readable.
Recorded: 5,54
